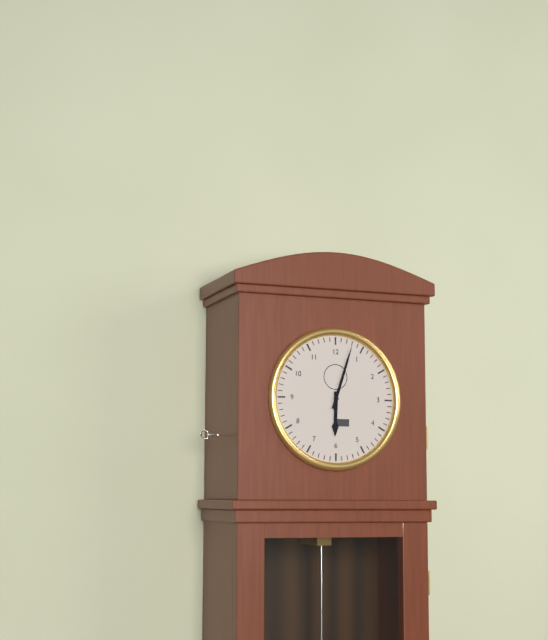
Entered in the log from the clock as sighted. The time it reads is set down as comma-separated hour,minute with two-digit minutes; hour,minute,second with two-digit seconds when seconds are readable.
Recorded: 6,03
